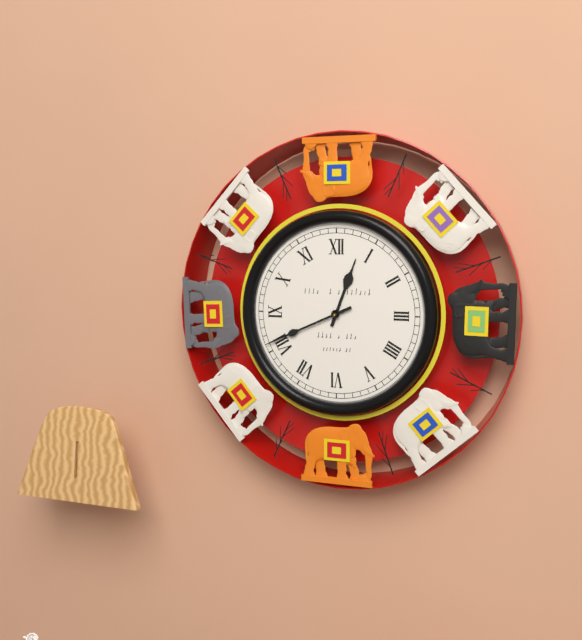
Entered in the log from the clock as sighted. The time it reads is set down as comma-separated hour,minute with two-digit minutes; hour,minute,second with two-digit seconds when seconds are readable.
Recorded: 12,41
